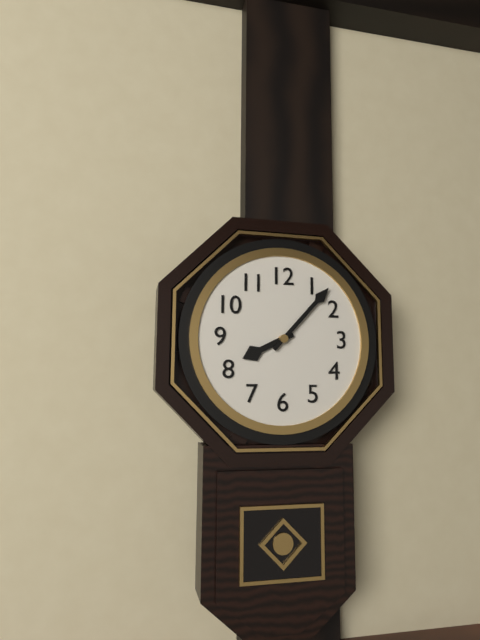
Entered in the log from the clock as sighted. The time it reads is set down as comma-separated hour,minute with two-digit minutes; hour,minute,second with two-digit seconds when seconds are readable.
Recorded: 8,07
